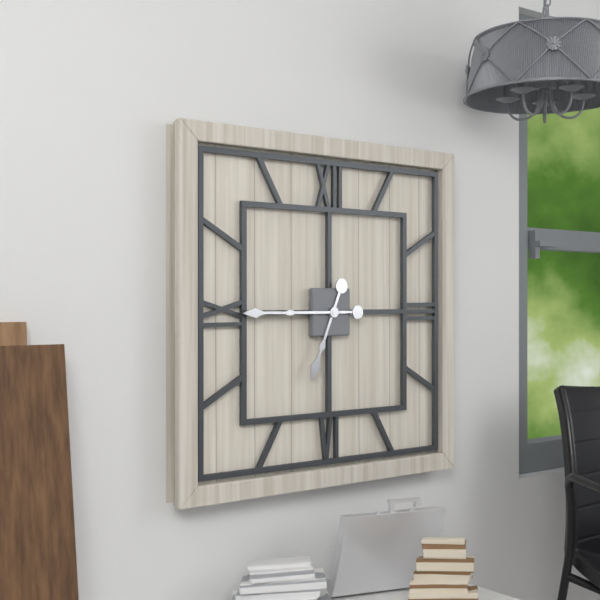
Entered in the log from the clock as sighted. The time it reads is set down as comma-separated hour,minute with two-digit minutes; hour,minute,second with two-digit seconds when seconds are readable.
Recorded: 6,45
